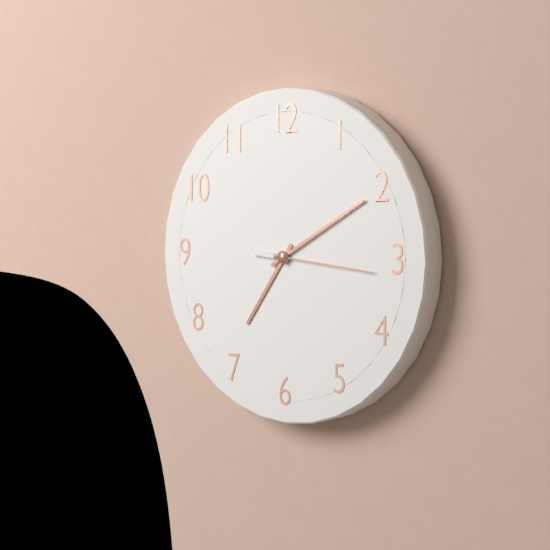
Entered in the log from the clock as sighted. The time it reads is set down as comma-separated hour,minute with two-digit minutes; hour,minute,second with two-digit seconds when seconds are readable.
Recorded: 7,10,16
